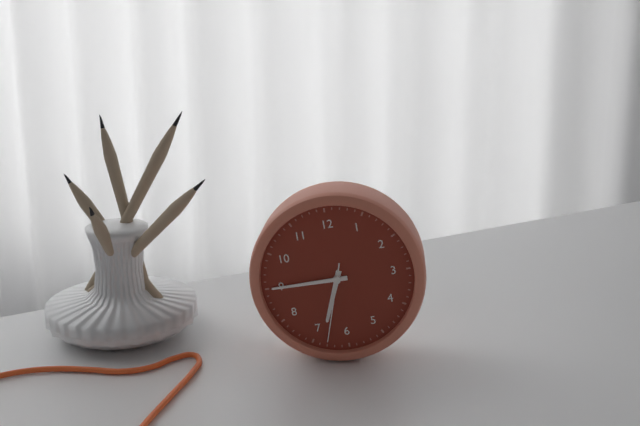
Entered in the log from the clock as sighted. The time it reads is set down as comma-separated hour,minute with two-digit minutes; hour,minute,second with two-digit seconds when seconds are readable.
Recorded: 6,45,33
